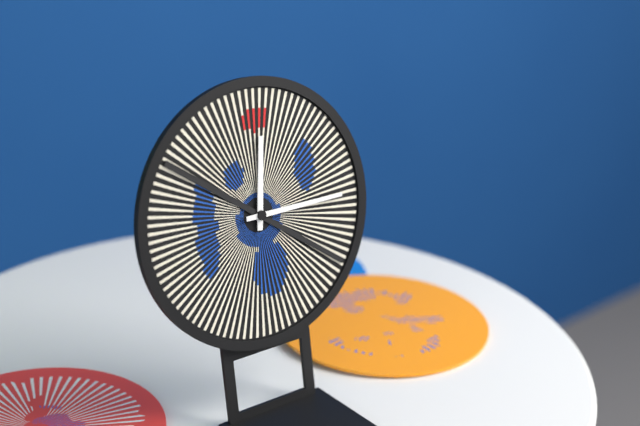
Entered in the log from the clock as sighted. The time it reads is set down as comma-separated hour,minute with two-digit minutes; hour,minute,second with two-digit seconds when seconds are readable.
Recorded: 12,15
